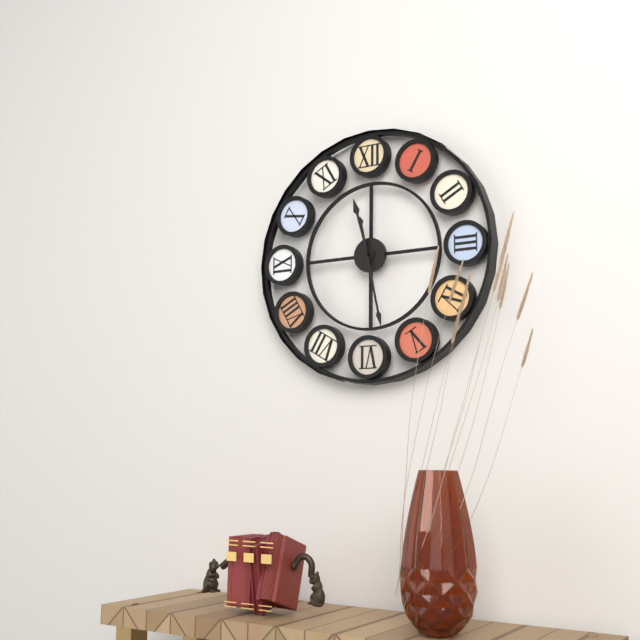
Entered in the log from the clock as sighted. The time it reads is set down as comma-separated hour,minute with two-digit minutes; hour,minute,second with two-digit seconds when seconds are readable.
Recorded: 11,28
